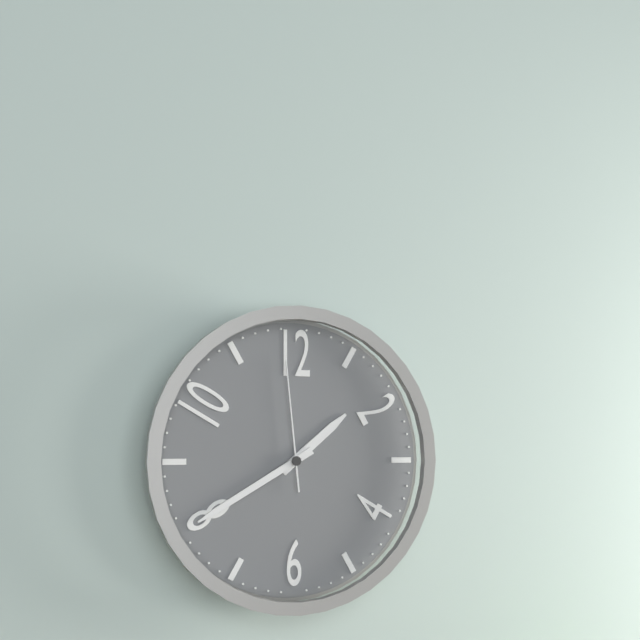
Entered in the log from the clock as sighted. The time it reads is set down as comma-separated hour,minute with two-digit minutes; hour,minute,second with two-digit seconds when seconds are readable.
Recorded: 1,40,59
